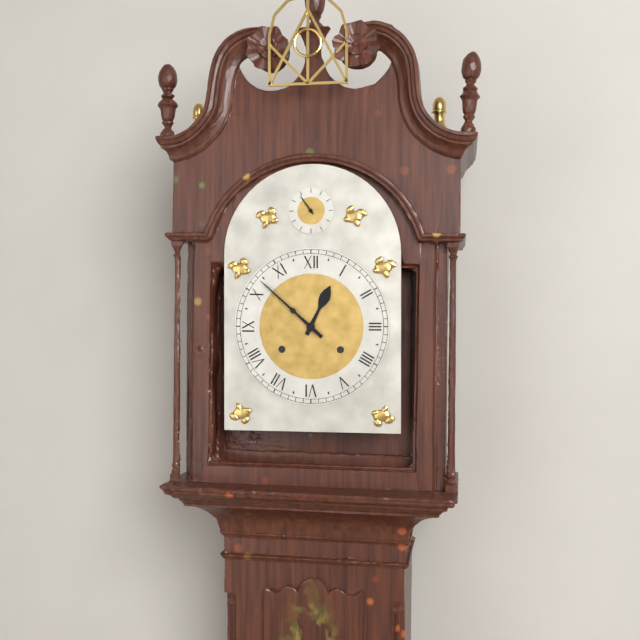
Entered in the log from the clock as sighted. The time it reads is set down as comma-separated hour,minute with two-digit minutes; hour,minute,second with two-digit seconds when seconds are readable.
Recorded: 12,52
